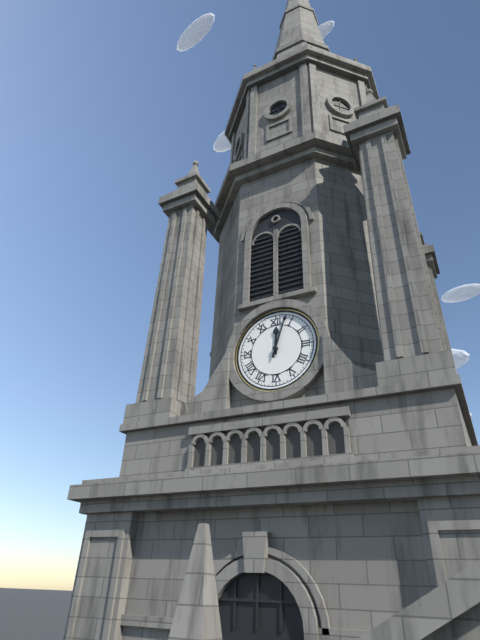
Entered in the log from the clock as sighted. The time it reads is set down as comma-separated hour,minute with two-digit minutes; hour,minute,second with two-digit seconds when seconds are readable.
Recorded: 12,03
